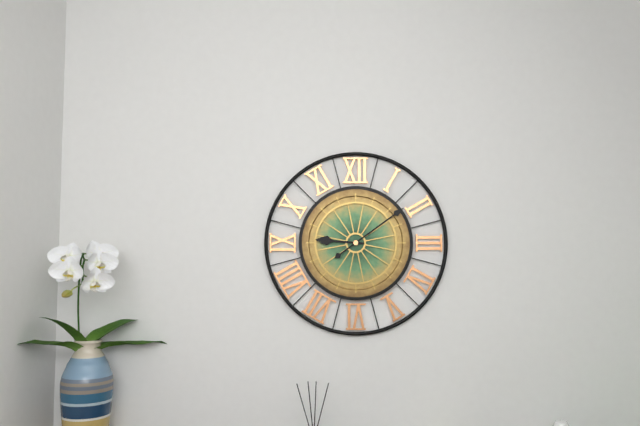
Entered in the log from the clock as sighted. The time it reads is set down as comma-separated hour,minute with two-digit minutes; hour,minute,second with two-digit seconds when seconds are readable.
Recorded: 9,09
